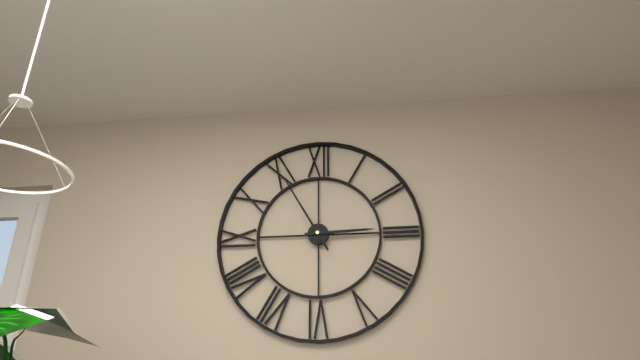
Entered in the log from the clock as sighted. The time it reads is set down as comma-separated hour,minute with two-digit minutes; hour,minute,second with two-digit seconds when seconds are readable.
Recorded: 2,55
